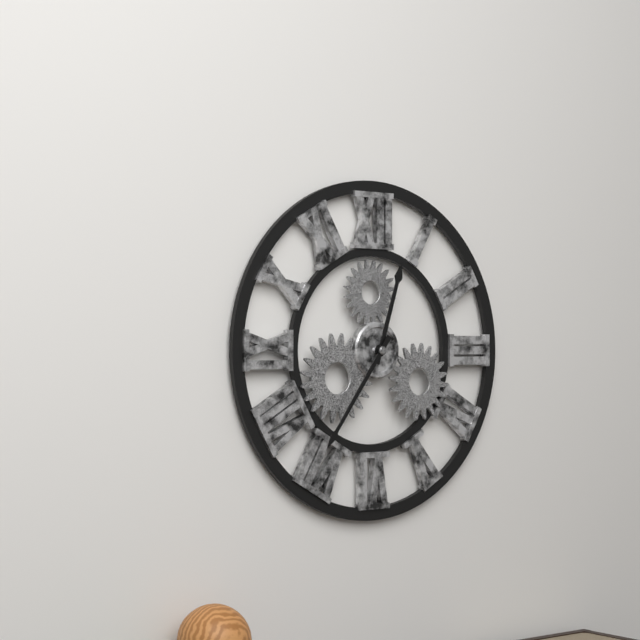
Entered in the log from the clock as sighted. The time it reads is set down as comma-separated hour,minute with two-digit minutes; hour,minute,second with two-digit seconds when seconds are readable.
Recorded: 12,36
